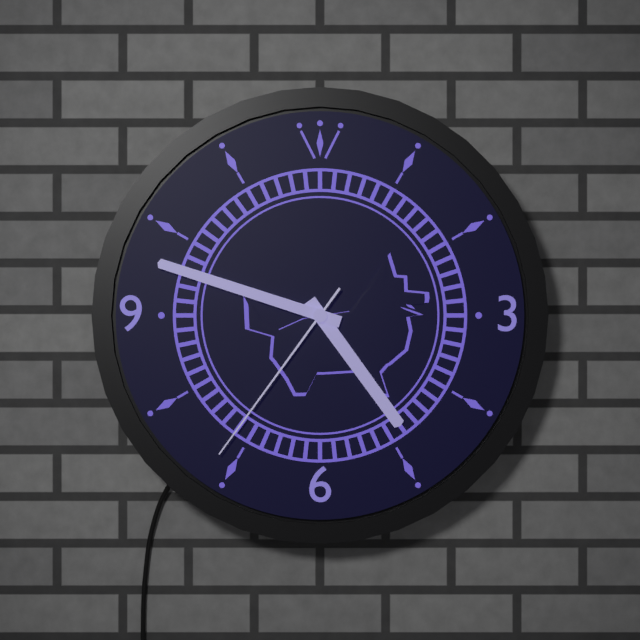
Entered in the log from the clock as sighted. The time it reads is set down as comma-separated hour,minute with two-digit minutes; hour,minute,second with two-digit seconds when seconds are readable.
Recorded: 4,48,36
